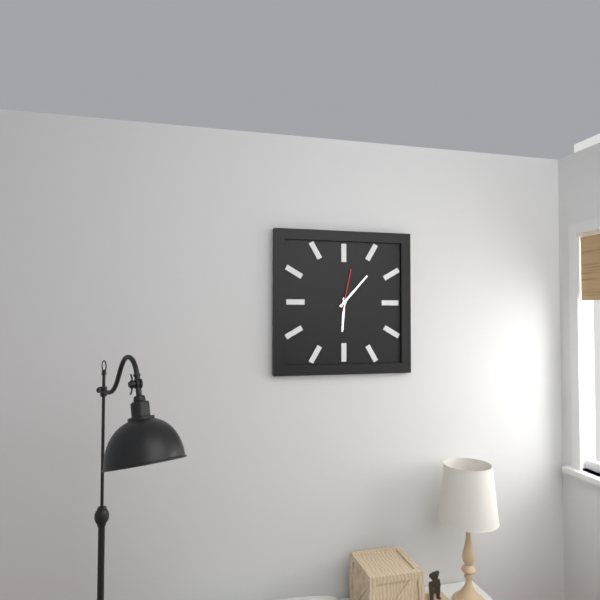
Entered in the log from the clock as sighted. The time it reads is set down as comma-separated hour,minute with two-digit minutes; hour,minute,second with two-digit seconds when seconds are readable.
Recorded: 6,07
